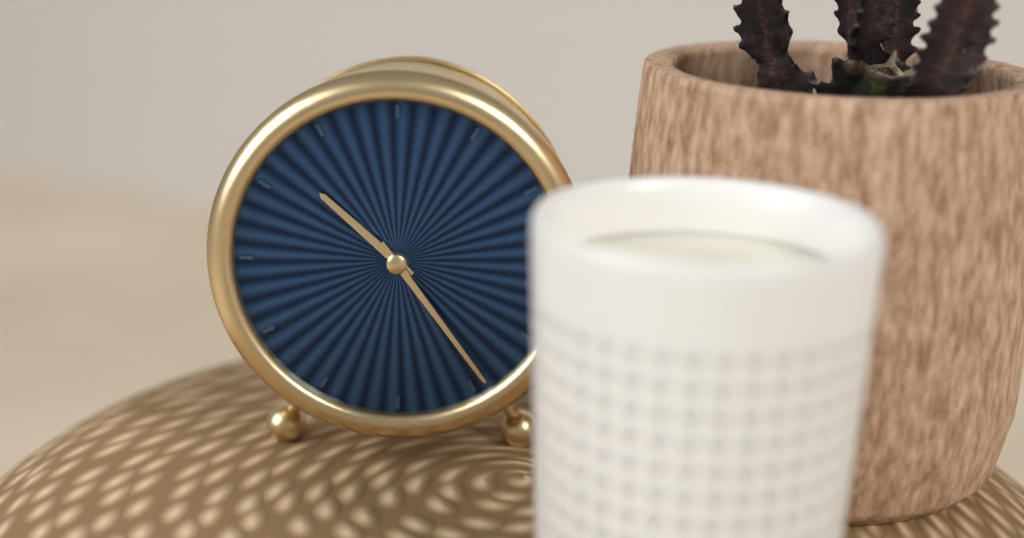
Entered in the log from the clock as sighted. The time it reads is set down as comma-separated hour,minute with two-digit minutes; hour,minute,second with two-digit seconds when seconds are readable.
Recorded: 10,24
